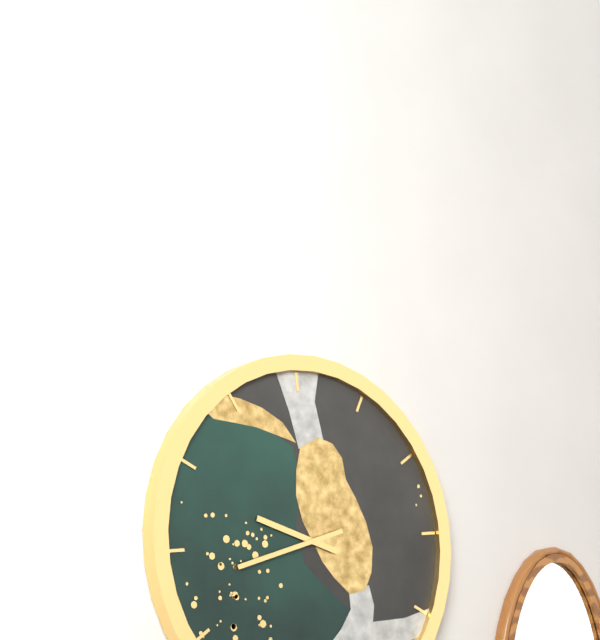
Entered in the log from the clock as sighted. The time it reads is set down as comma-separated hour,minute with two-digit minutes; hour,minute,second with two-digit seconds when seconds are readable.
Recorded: 9,43
